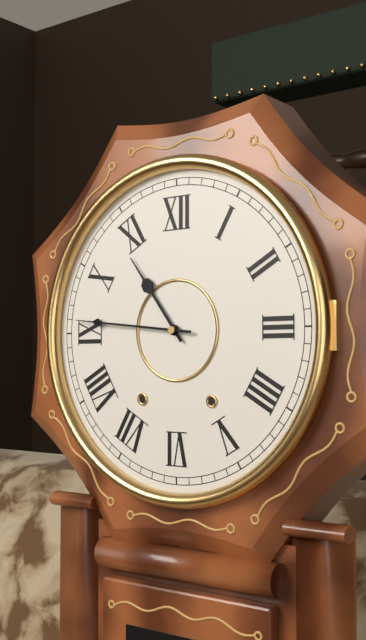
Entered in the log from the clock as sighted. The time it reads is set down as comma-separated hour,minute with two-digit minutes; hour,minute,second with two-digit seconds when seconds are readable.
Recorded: 10,46
